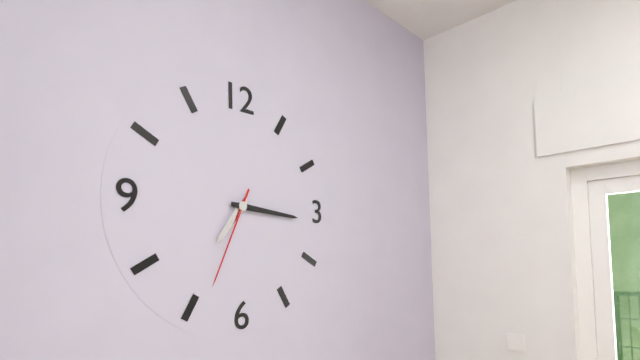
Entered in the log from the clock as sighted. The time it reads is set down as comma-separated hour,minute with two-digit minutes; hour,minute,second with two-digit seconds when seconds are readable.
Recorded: 7,16,34
